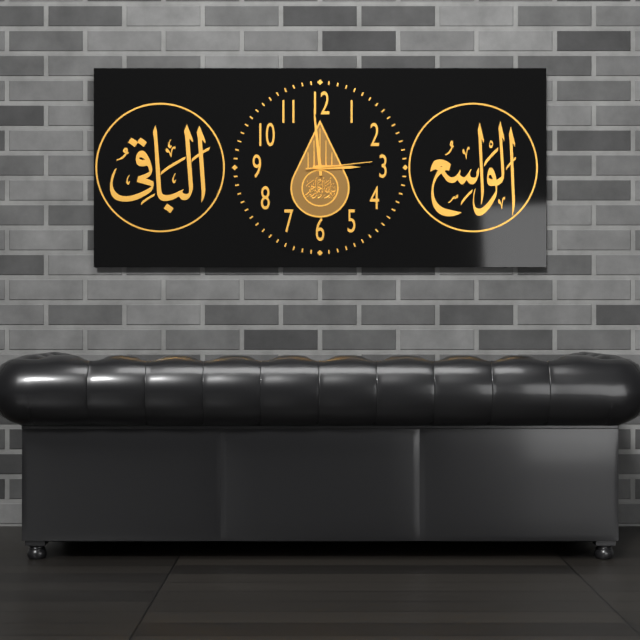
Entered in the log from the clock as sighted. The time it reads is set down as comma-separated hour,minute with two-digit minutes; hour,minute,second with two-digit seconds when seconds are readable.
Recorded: 2,59,14
